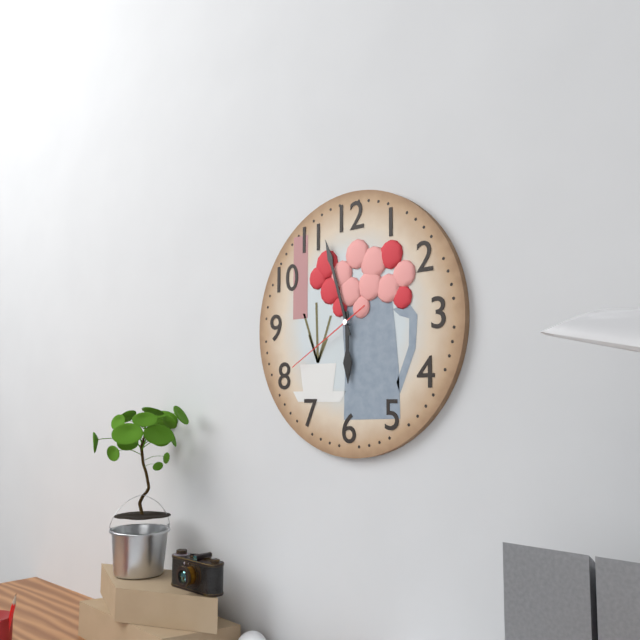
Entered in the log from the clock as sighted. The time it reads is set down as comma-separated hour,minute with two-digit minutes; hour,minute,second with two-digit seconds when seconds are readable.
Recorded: 5,57,40
